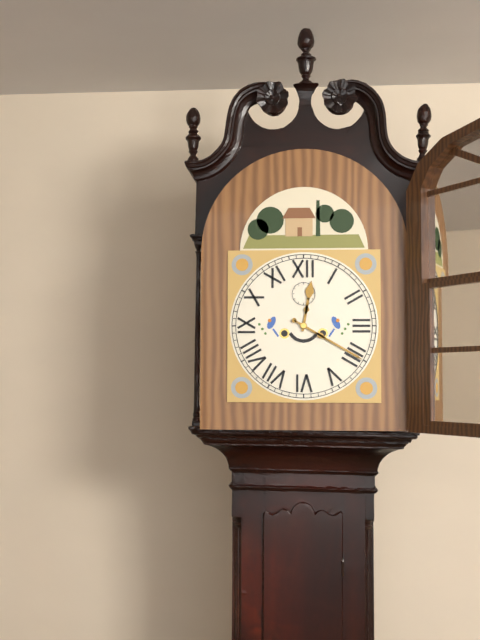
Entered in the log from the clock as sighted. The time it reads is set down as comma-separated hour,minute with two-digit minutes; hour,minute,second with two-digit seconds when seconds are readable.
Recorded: 12,20
